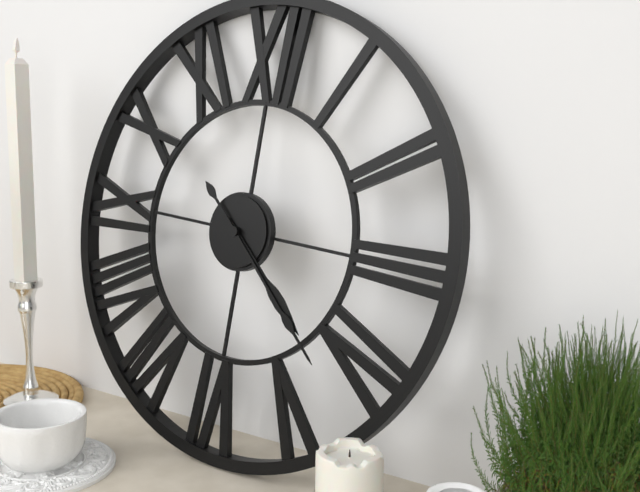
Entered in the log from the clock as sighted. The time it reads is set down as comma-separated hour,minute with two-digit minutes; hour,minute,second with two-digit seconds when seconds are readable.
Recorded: 4,22
